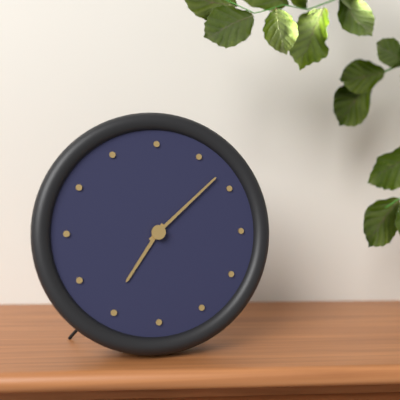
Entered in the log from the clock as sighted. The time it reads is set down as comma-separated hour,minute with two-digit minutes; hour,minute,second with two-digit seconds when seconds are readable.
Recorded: 7,08
